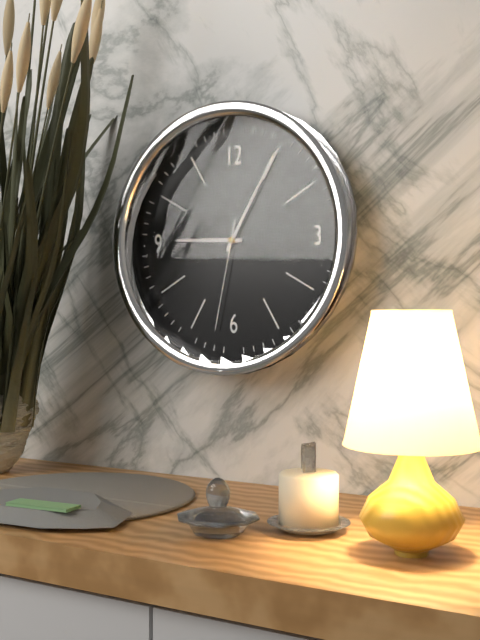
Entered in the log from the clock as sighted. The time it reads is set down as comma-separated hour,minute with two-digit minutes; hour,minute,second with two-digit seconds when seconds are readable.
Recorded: 9,05,32
